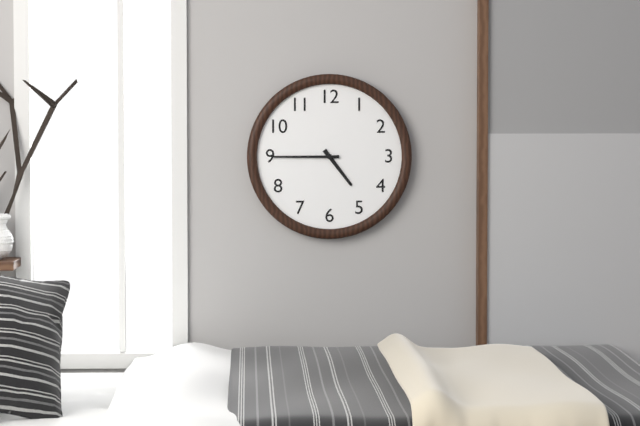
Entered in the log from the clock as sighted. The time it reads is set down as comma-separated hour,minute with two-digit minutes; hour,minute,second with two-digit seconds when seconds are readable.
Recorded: 4,45
